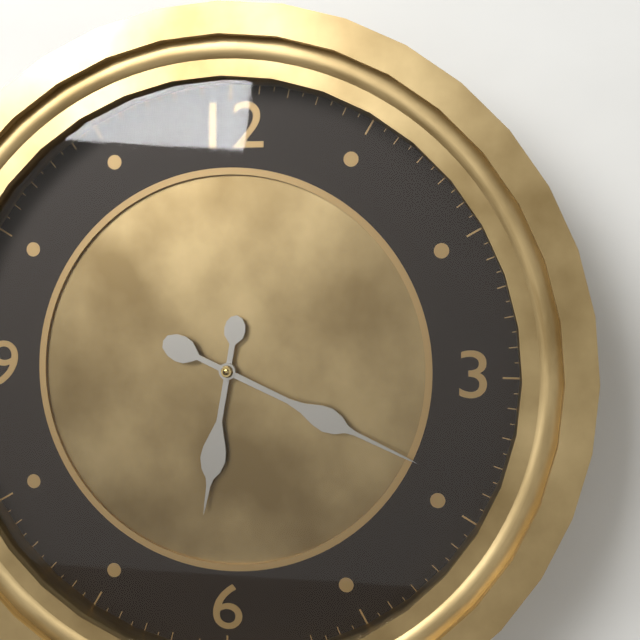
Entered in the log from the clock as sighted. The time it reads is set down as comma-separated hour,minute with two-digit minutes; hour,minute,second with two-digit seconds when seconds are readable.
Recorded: 6,19
